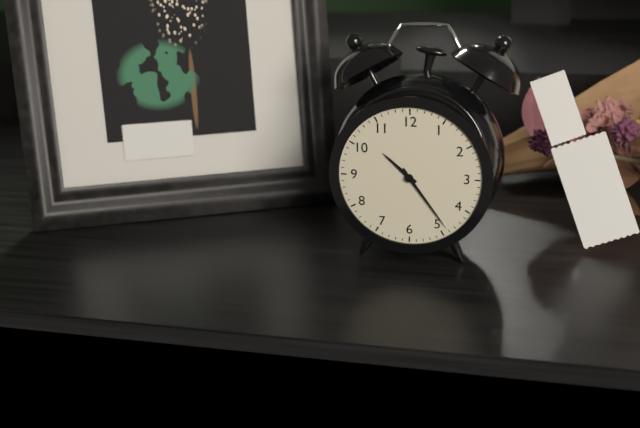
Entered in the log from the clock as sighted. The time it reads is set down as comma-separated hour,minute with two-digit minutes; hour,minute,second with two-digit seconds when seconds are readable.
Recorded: 10,24
